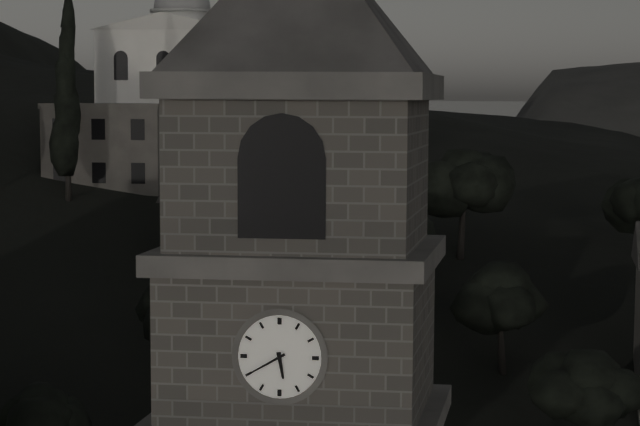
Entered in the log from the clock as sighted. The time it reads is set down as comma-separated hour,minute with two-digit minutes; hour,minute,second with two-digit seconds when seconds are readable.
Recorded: 5,40
